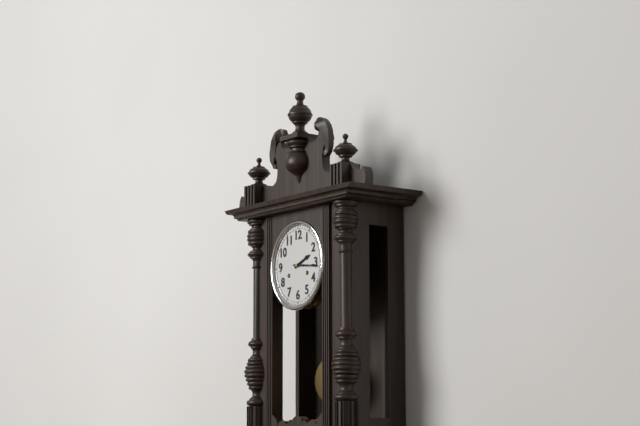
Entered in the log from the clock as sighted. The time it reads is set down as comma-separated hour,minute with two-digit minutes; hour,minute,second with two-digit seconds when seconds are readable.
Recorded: 2,16
